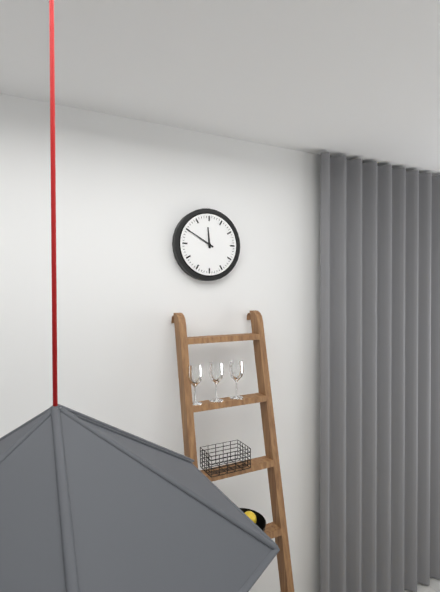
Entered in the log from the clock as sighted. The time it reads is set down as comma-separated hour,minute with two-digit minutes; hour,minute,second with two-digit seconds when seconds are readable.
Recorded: 11,50
